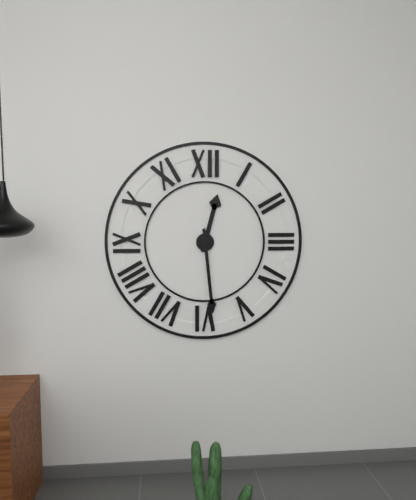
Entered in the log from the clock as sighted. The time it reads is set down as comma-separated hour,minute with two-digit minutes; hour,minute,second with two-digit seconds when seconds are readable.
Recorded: 12,29
